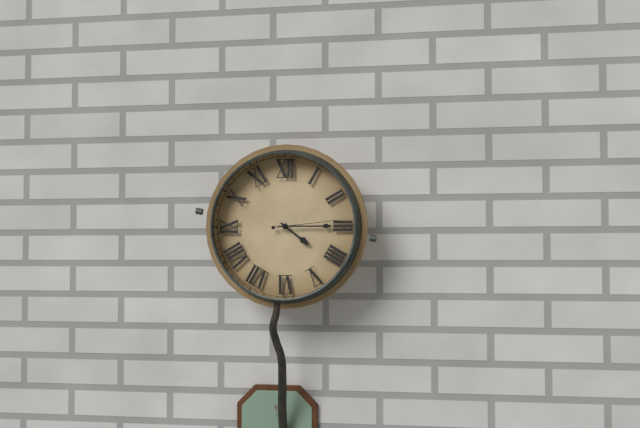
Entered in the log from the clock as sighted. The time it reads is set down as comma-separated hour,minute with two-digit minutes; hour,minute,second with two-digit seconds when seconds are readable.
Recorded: 4,15,14
